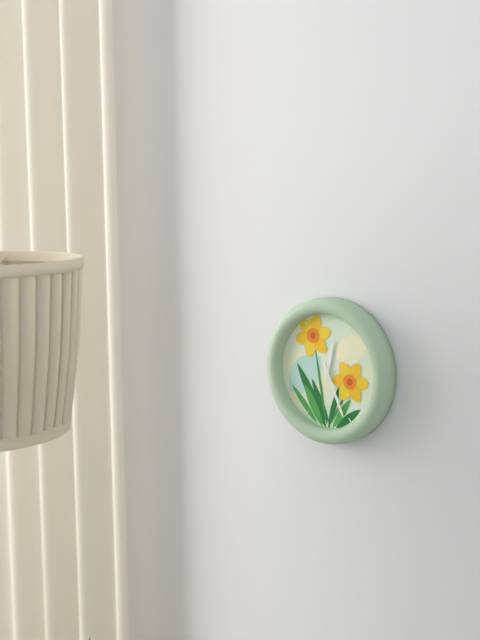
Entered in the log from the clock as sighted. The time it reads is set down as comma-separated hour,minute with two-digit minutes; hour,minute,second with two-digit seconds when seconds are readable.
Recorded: 12,26
